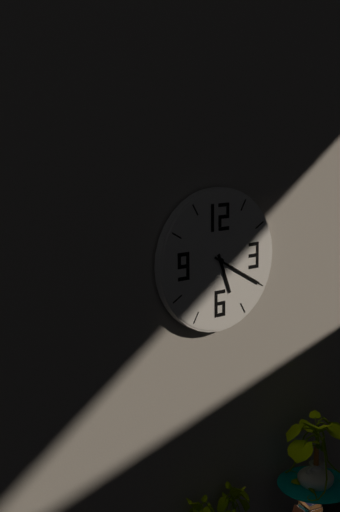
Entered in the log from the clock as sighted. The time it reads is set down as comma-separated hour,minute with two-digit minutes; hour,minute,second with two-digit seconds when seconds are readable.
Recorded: 5,20
